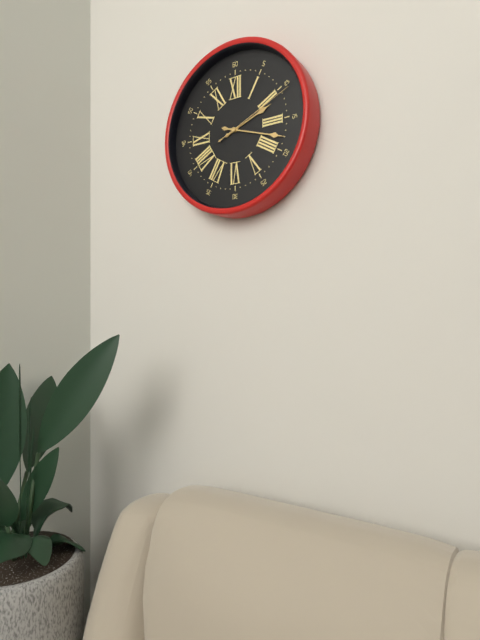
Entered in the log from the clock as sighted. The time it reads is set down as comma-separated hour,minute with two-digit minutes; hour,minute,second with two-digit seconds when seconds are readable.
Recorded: 2,18,11
